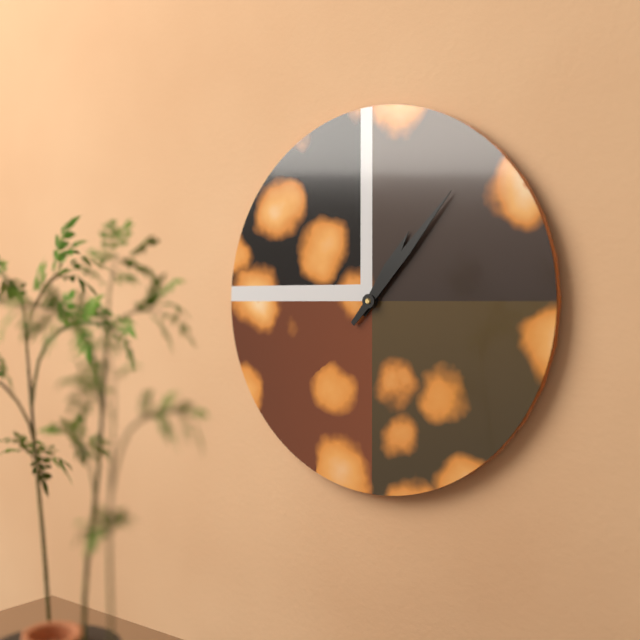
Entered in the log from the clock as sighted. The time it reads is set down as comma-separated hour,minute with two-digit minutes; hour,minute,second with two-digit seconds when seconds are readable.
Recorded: 1,07
